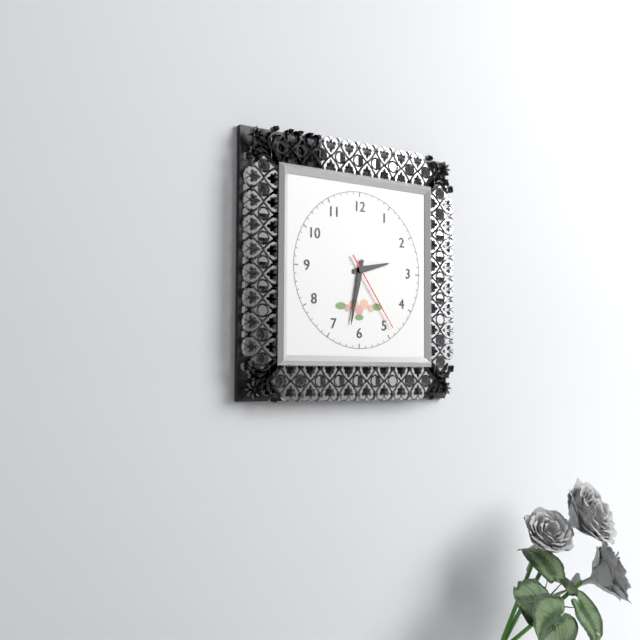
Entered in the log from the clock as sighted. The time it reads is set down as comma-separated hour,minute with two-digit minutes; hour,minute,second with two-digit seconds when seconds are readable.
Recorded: 2,32,24
